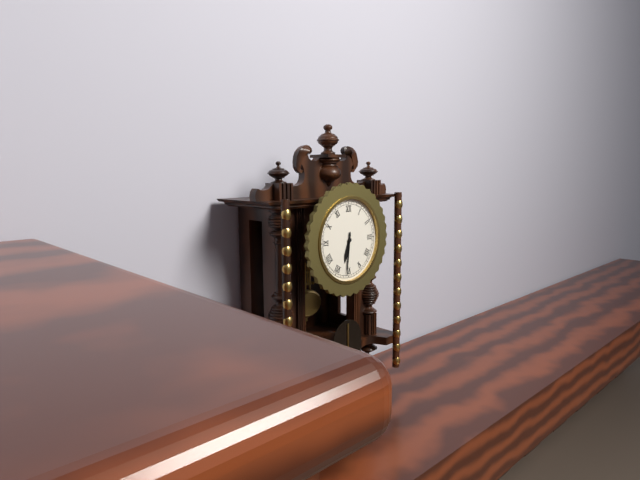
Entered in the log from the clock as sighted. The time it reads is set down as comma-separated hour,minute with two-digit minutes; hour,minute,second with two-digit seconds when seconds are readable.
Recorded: 6,31
